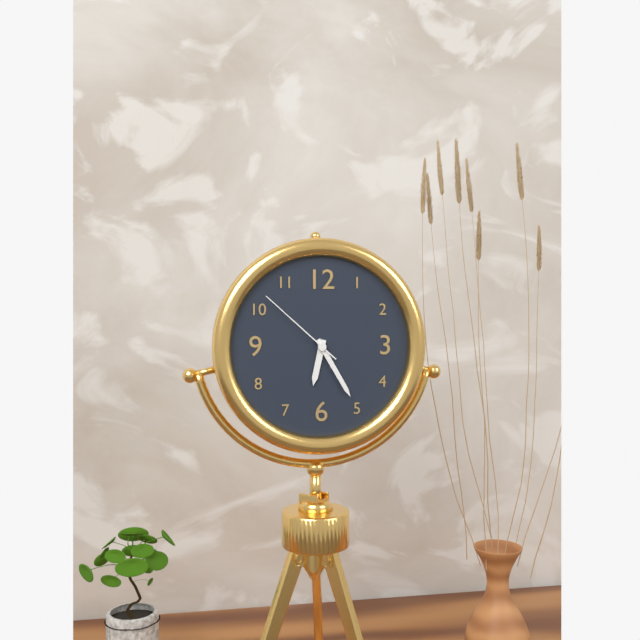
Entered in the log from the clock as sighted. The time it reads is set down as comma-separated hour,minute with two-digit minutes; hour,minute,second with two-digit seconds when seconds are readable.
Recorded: 6,25,52
